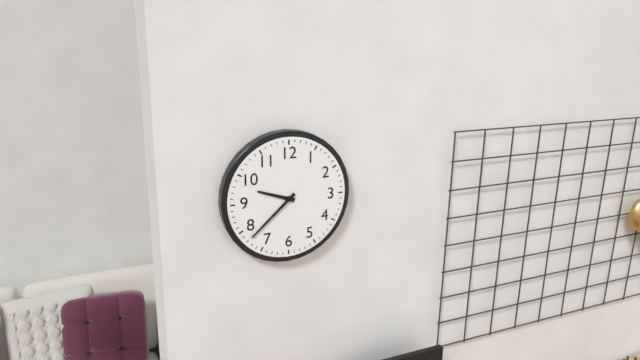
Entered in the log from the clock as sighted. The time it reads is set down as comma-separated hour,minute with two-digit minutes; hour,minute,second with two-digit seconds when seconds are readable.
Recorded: 9,38
